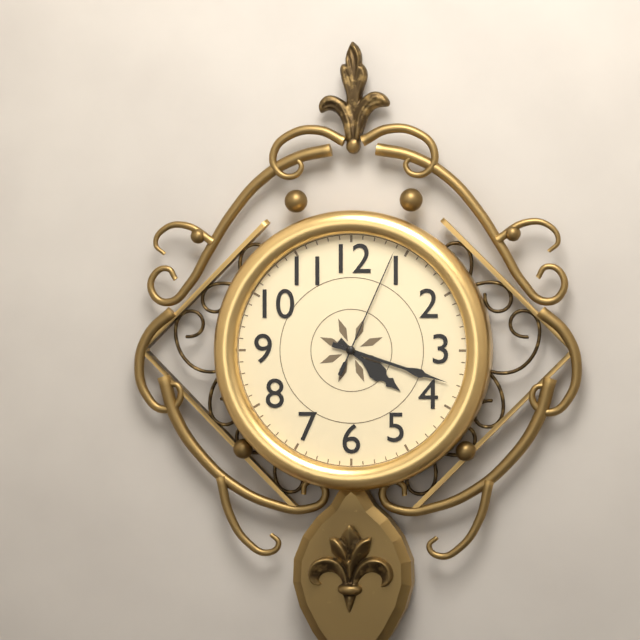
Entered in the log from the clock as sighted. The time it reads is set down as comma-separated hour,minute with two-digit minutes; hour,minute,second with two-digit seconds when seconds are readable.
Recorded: 4,18,04
